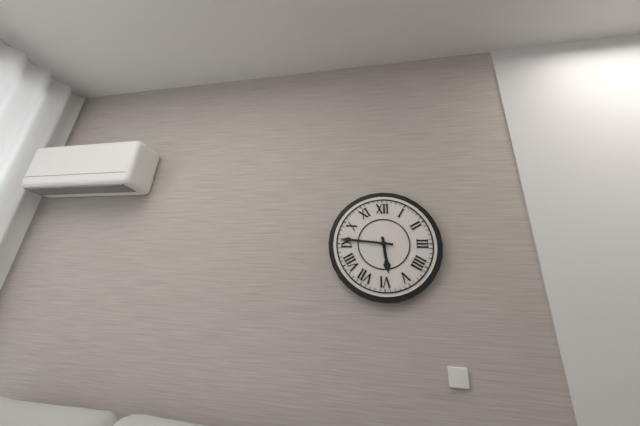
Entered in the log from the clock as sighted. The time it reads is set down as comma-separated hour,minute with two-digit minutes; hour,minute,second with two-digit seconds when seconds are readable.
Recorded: 5,46
